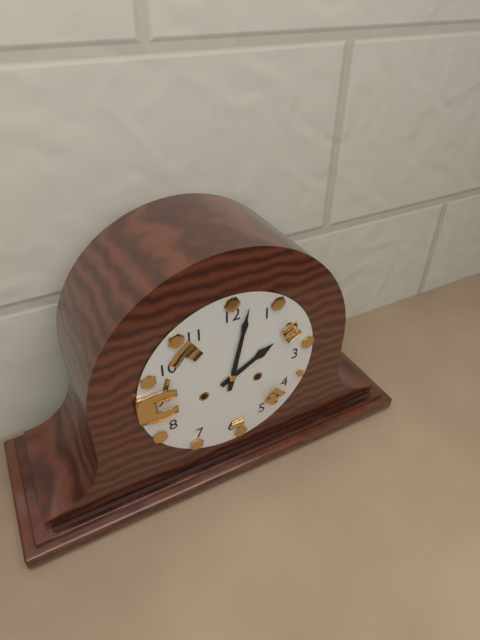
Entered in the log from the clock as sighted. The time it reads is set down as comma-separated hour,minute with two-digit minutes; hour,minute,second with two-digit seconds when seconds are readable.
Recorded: 2,02
